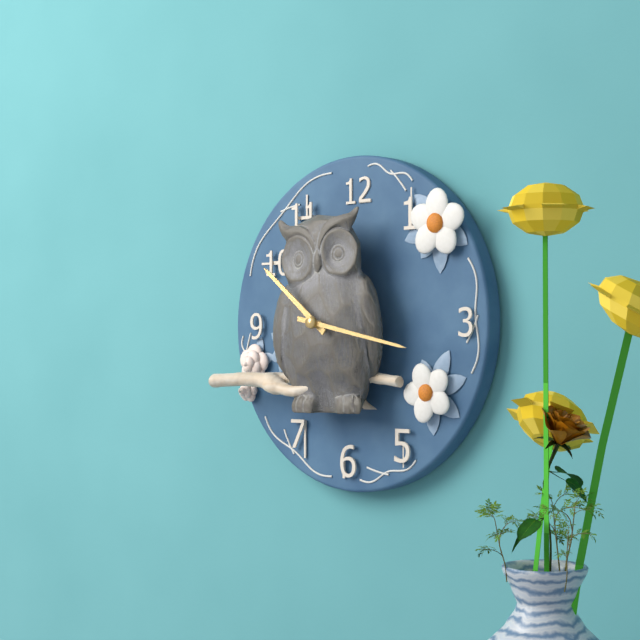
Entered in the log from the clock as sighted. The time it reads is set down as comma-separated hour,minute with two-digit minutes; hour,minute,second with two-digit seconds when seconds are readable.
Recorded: 10,17
